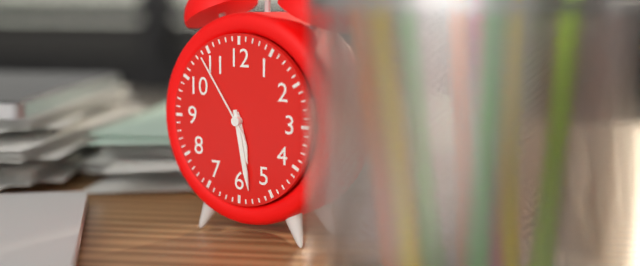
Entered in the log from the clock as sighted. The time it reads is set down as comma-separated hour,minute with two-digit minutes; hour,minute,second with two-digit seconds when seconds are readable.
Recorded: 5,28,54
